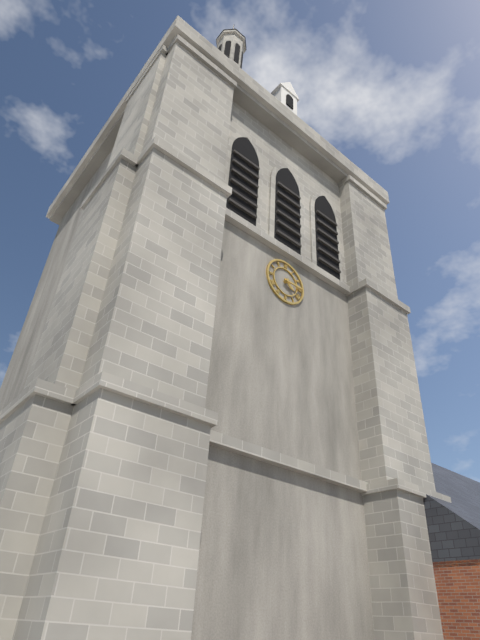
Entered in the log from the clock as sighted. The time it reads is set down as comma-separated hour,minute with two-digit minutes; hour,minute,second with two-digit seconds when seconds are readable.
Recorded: 4,15
